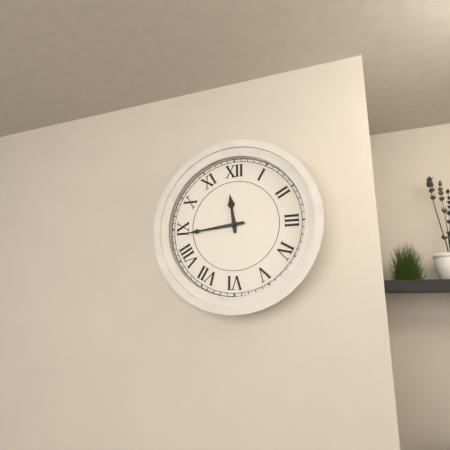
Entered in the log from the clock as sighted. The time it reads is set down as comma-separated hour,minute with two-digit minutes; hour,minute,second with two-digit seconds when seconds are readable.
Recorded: 11,44
